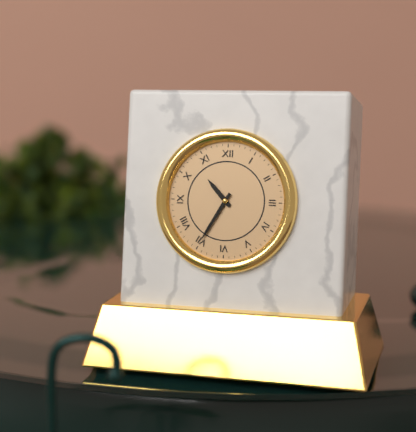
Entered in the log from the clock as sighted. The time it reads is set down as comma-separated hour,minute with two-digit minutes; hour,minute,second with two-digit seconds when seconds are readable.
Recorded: 10,35
